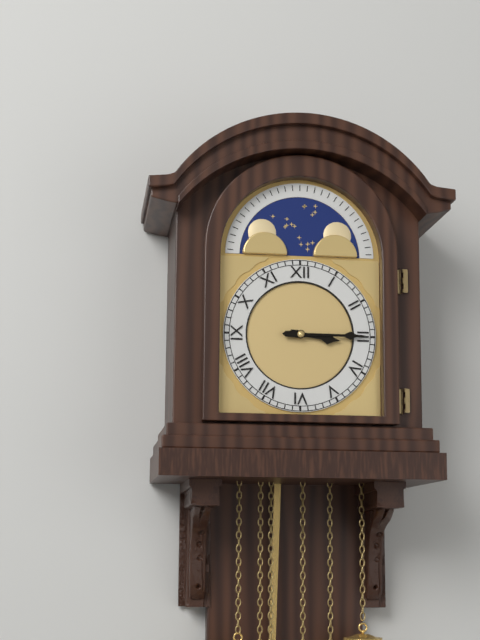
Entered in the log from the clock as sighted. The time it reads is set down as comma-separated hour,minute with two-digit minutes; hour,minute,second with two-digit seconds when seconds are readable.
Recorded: 3,15
